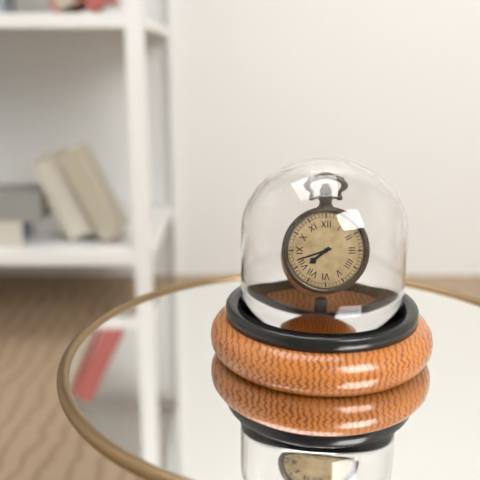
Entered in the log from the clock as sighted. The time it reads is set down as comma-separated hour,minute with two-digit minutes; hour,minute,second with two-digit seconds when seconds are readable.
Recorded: 7,42
